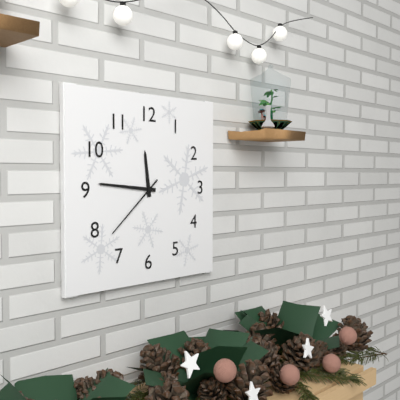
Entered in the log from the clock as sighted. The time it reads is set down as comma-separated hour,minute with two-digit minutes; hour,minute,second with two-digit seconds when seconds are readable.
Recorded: 11,46,38
